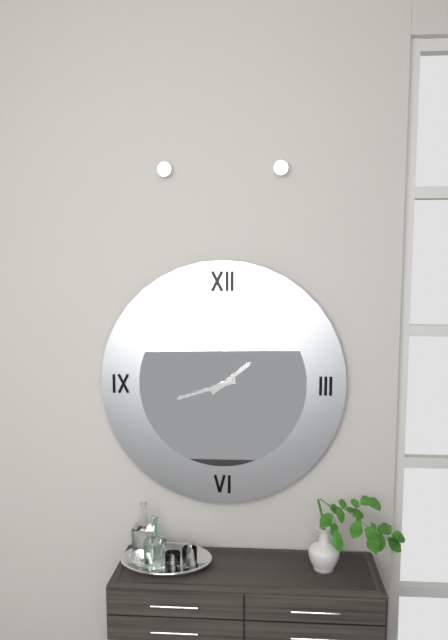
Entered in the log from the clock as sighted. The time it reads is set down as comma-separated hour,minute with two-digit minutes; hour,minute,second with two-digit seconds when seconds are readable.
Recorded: 1,42
